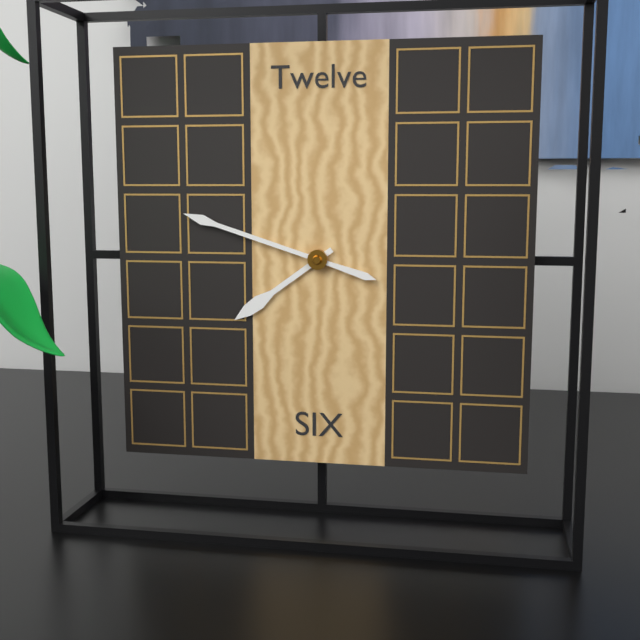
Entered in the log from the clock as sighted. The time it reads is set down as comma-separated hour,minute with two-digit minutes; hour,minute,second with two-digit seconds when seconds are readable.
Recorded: 7,48
